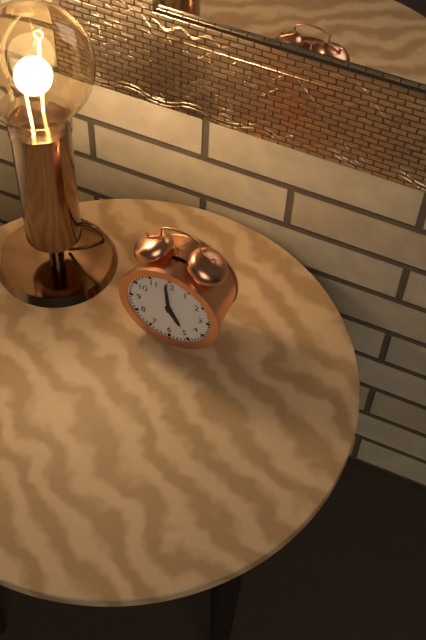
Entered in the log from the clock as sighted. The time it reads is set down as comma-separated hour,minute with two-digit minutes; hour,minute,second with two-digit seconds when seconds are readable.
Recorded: 4,59
